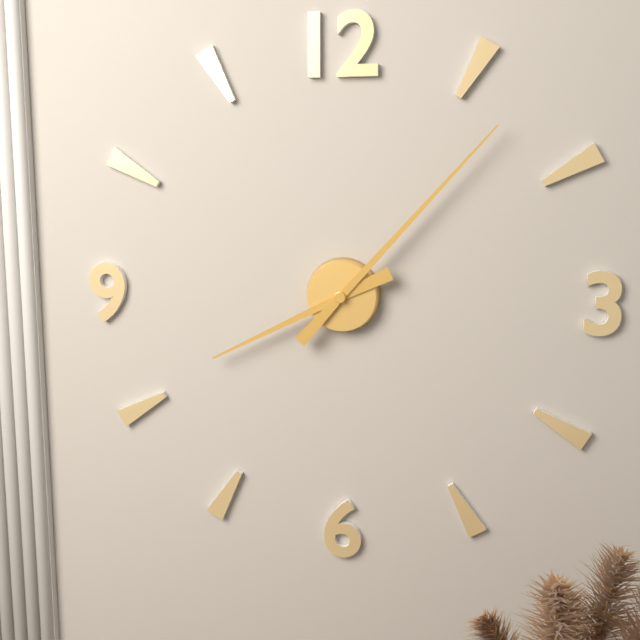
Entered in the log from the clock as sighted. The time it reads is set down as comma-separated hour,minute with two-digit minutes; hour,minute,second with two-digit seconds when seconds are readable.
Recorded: 8,07
